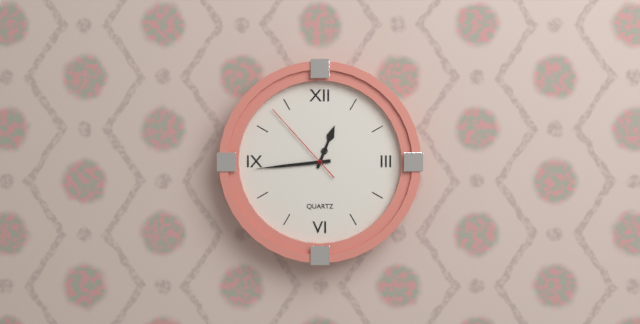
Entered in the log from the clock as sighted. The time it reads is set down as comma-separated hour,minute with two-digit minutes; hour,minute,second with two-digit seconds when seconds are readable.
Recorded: 12,44,53
